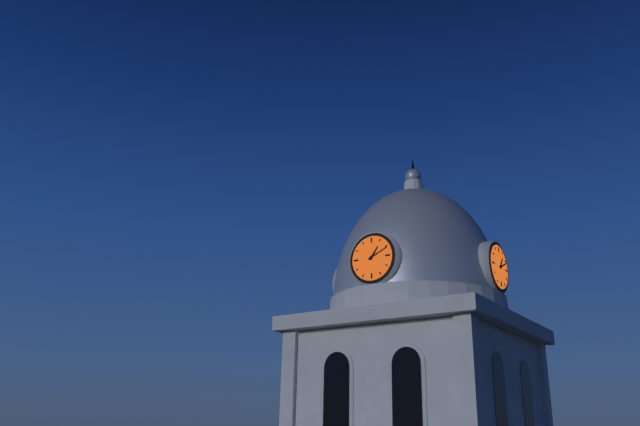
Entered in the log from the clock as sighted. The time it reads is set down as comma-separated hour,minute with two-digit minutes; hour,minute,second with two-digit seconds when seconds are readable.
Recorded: 1,11
